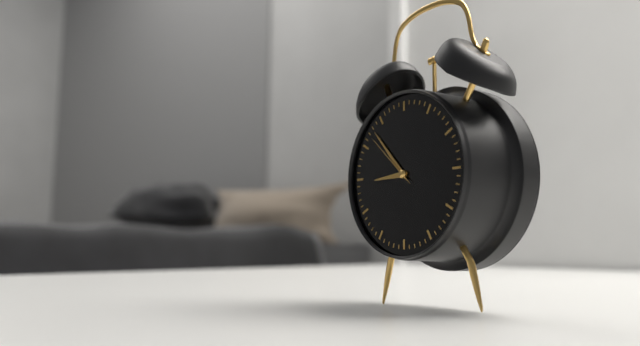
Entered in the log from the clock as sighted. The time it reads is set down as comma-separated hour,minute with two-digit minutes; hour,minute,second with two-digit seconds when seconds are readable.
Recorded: 8,53,52
